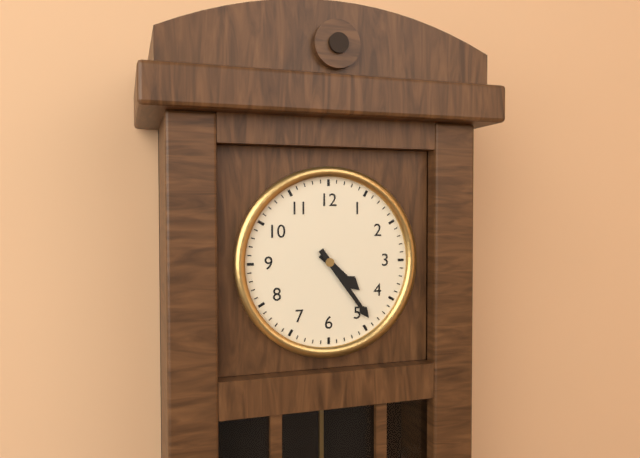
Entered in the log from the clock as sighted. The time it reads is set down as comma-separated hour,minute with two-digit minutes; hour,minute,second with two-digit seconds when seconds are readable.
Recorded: 4,24
